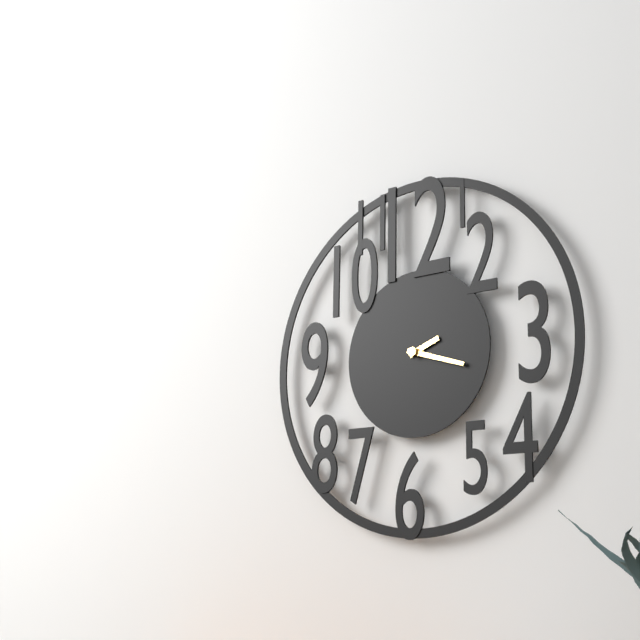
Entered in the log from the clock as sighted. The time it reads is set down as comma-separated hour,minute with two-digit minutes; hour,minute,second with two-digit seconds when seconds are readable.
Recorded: 2,18
